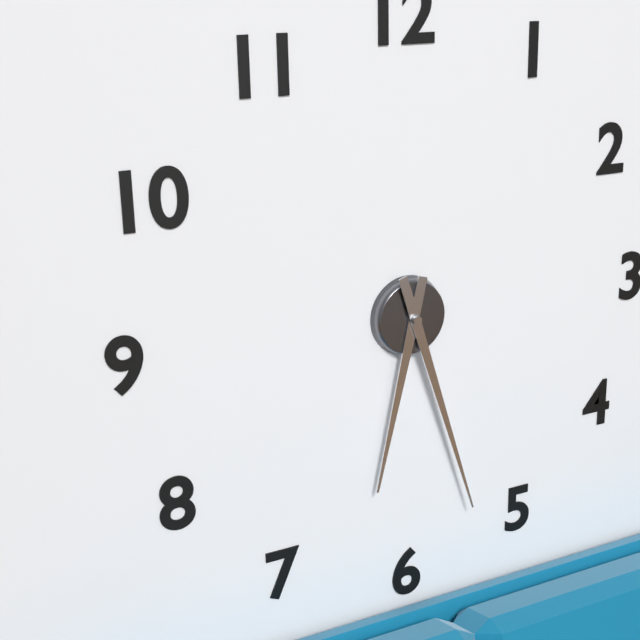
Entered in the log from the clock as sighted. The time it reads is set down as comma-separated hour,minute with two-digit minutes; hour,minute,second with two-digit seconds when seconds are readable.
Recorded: 6,27
